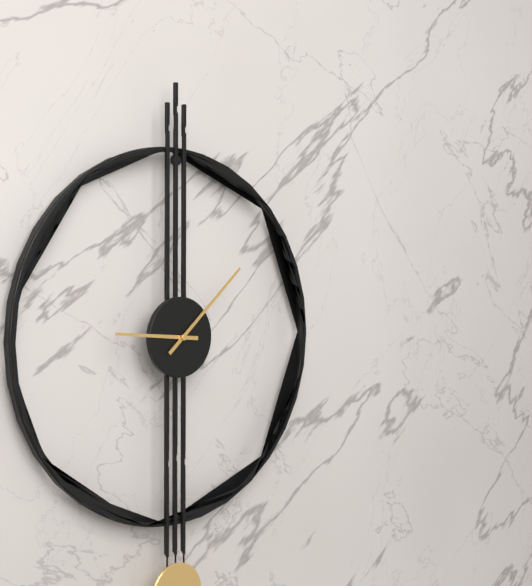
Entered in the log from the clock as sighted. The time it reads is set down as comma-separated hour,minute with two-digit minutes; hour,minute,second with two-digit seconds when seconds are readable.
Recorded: 9,08
